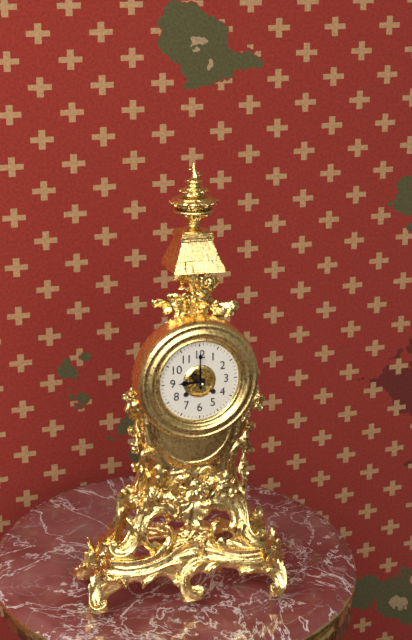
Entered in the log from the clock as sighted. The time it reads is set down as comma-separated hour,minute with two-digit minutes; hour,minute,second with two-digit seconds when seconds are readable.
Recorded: 9,00
